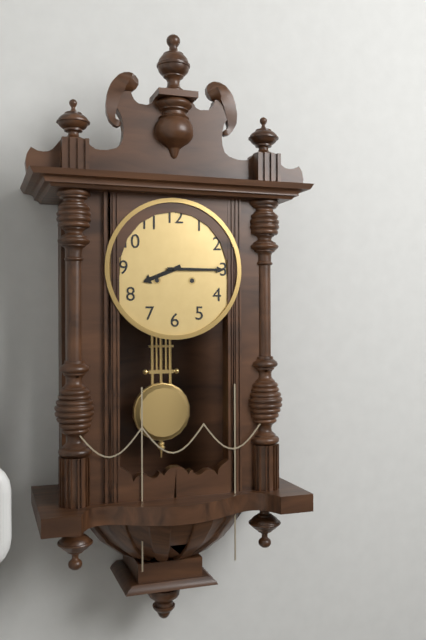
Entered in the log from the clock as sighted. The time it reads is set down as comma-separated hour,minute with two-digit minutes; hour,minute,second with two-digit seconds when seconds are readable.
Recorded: 8,15
